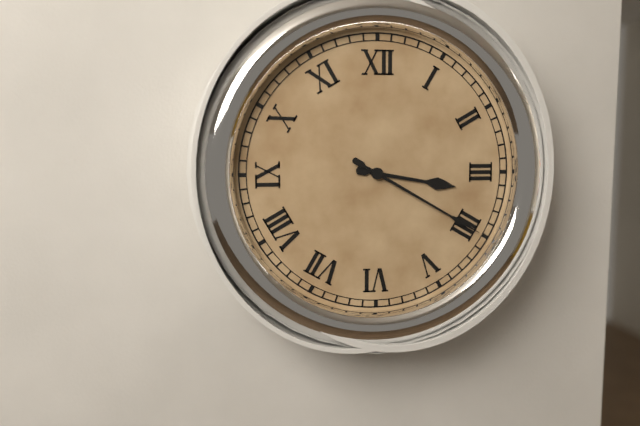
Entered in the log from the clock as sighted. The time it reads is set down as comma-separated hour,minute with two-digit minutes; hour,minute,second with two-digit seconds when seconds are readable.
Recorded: 3,20
